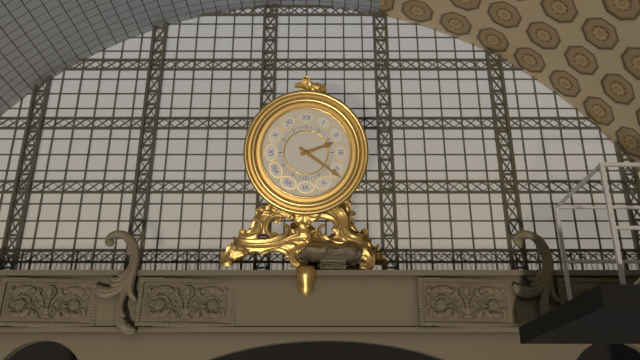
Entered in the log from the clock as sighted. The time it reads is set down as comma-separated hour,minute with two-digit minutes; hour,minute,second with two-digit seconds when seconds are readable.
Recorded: 2,21
